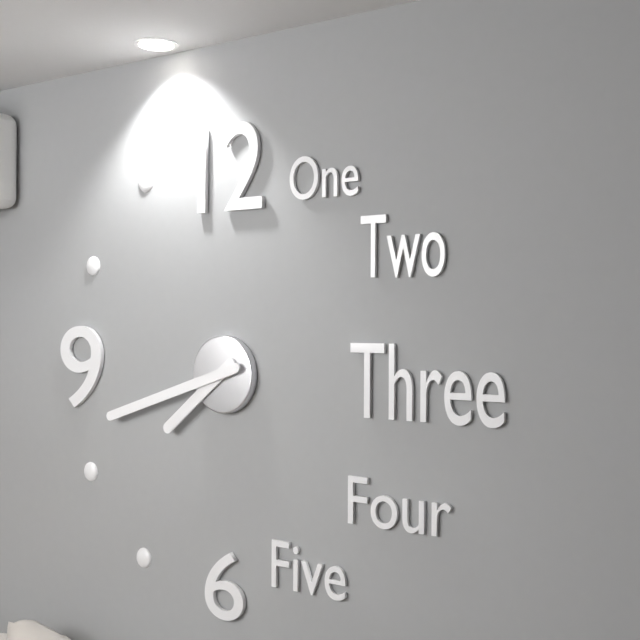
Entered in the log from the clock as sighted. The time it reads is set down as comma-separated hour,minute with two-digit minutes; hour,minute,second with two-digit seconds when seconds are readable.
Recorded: 7,42
